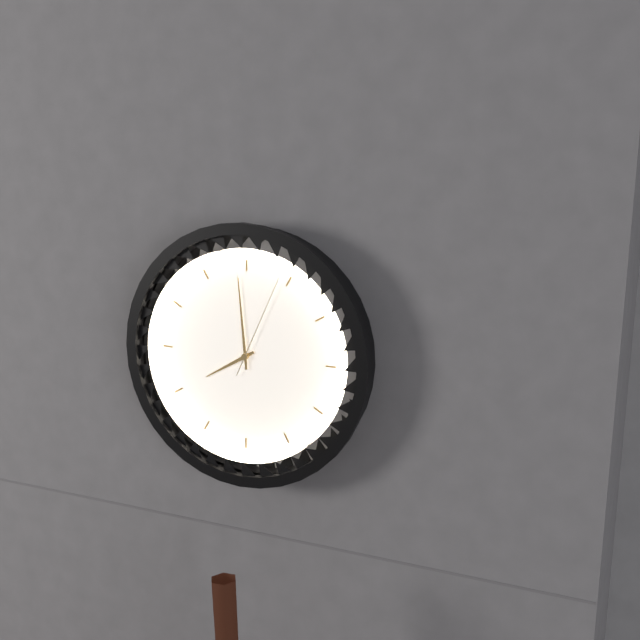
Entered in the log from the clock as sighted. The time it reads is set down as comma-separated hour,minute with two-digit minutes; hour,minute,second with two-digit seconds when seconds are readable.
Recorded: 7,59,04
